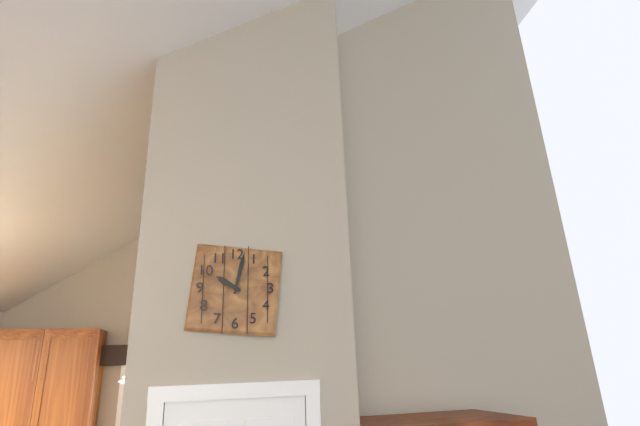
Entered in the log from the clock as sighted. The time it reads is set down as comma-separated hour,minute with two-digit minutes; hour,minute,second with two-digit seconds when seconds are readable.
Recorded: 10,02
